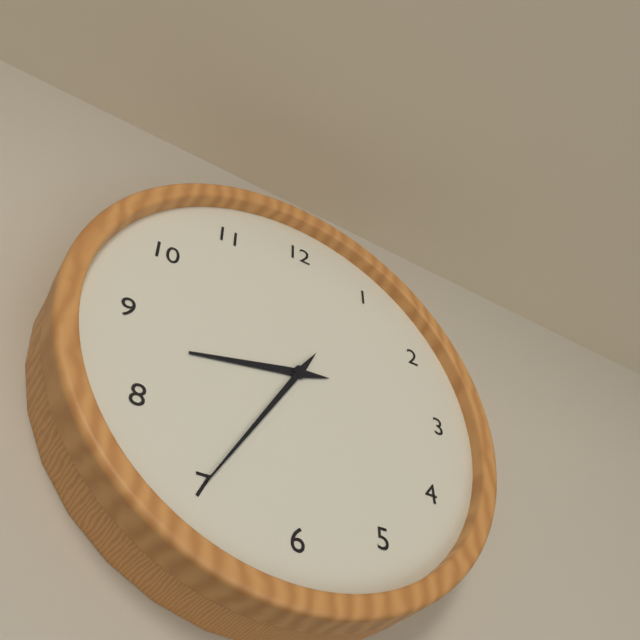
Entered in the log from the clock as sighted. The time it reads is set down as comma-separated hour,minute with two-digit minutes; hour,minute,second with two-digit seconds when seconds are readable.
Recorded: 8,35
